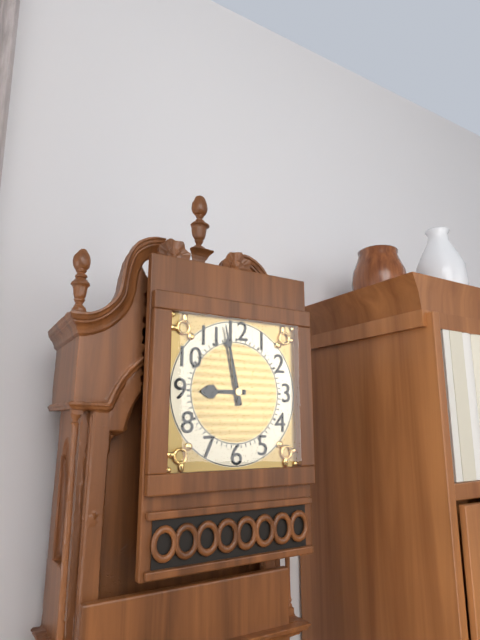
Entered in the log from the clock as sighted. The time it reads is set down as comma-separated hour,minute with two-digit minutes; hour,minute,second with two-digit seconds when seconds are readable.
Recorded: 8,58
